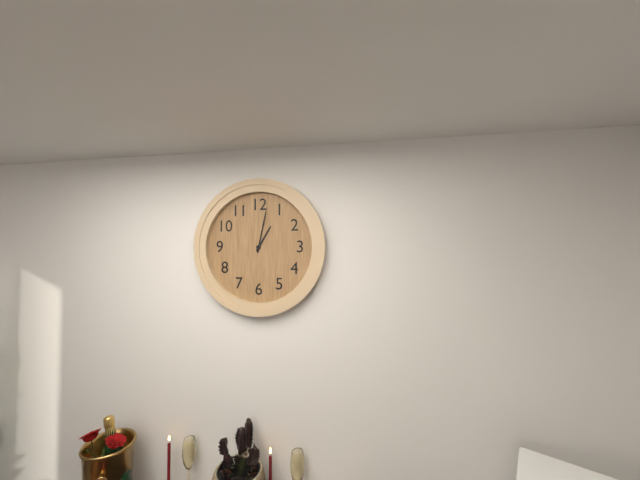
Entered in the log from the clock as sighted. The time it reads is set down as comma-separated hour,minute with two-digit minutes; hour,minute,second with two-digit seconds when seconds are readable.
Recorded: 1,02
